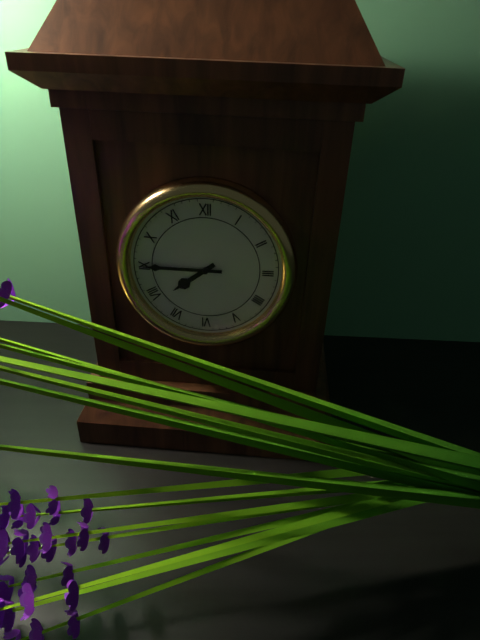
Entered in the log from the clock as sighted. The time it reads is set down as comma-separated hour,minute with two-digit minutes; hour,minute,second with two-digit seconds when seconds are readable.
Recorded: 7,45
